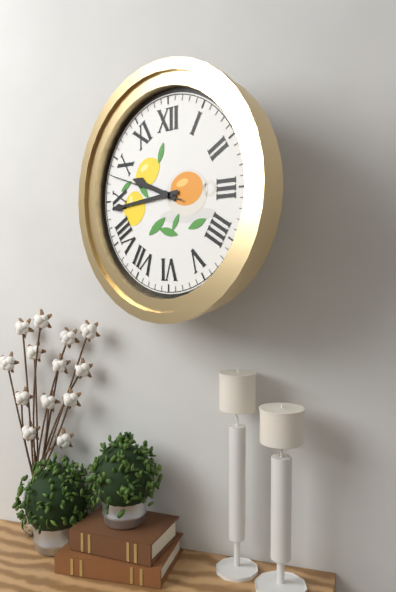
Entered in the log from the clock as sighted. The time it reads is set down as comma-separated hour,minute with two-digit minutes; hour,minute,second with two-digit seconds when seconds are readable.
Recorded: 9,44,48
